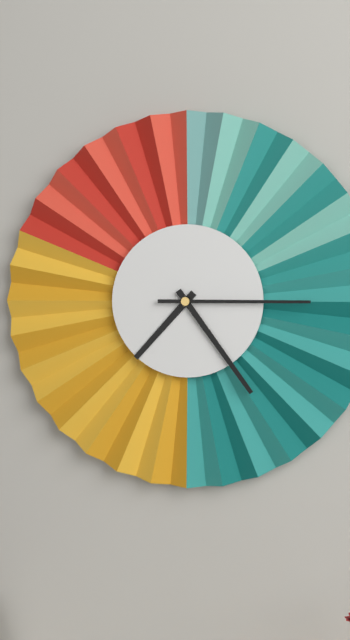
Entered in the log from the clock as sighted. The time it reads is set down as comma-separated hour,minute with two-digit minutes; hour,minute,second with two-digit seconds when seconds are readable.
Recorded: 7,24,15
